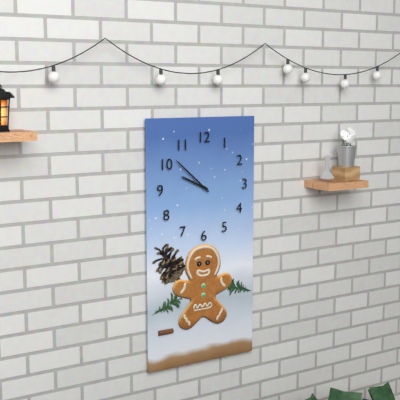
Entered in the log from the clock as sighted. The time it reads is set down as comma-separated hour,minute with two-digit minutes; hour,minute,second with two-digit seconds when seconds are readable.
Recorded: 9,52
